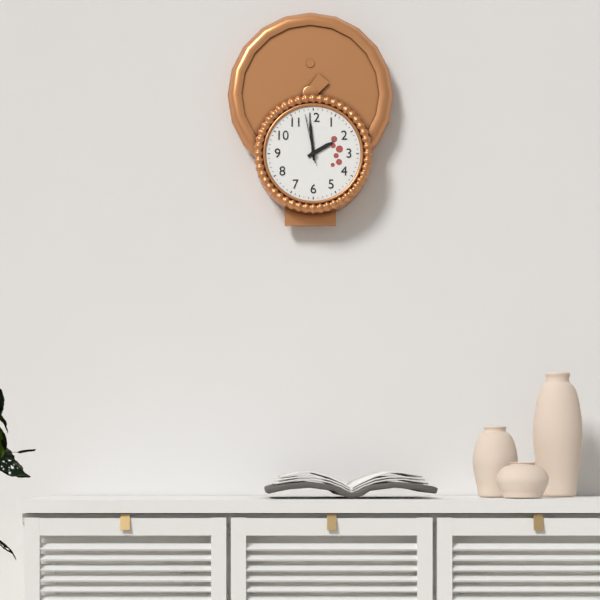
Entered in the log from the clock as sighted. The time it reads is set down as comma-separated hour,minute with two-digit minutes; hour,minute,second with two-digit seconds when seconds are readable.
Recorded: 1,59
